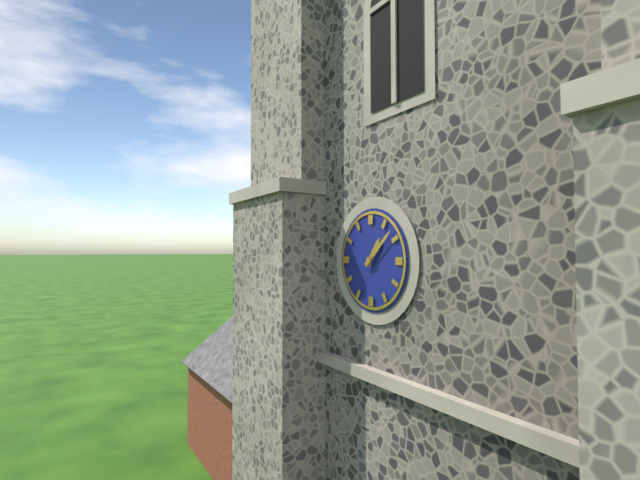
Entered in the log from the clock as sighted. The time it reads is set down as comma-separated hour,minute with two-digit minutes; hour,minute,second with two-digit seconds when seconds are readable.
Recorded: 1,08
